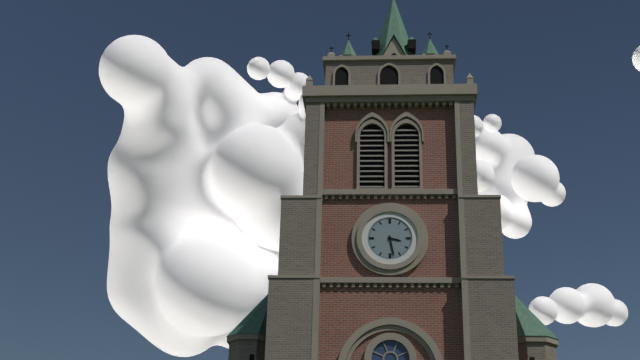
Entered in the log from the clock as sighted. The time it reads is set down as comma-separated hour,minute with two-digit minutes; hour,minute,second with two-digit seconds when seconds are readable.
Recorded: 3,28
